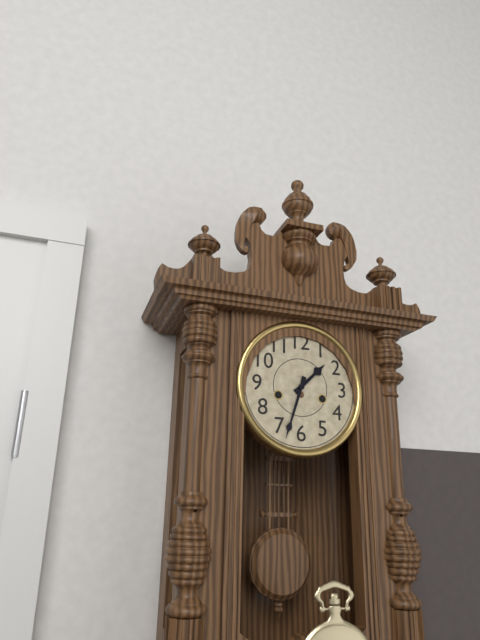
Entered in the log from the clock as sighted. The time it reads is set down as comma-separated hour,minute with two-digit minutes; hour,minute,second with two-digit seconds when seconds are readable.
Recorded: 1,33
